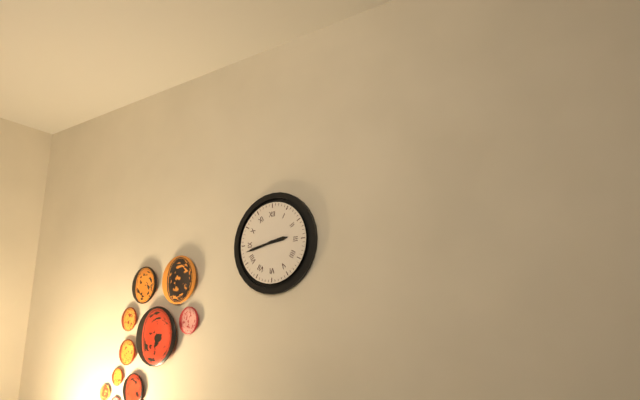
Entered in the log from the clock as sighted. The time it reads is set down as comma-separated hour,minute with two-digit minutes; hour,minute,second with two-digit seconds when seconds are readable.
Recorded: 2,43
